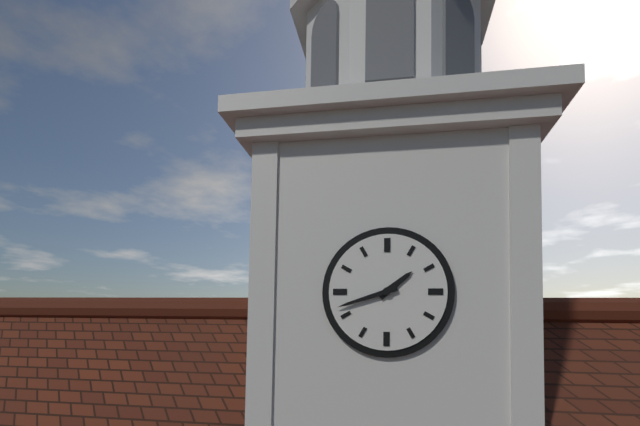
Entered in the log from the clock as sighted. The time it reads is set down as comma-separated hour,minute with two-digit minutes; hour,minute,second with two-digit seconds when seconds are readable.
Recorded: 1,42
